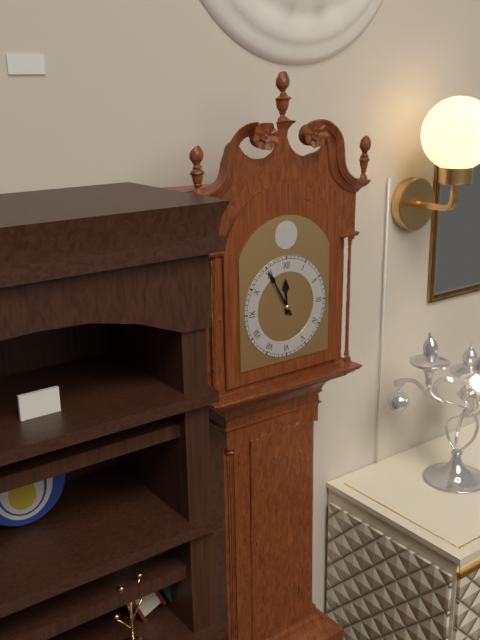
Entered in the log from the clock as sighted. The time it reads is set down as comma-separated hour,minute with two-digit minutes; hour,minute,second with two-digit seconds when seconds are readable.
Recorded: 11,55
